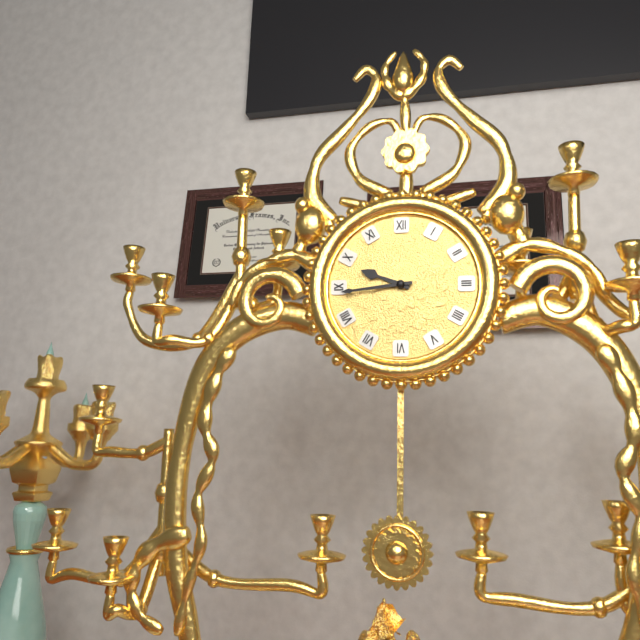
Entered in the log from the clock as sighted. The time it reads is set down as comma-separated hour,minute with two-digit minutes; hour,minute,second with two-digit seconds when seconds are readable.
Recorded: 9,44
